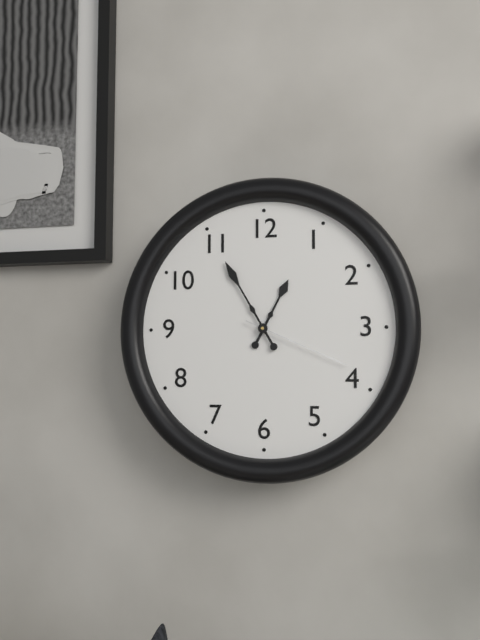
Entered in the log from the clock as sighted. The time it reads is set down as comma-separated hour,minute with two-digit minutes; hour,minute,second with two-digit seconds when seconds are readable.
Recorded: 12,55,19
